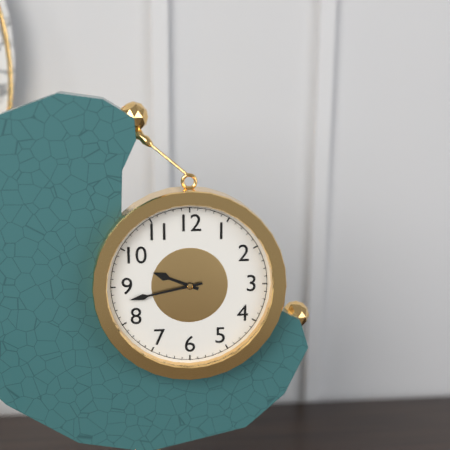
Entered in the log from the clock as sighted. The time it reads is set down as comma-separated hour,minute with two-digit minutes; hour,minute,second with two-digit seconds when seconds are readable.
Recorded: 9,43
